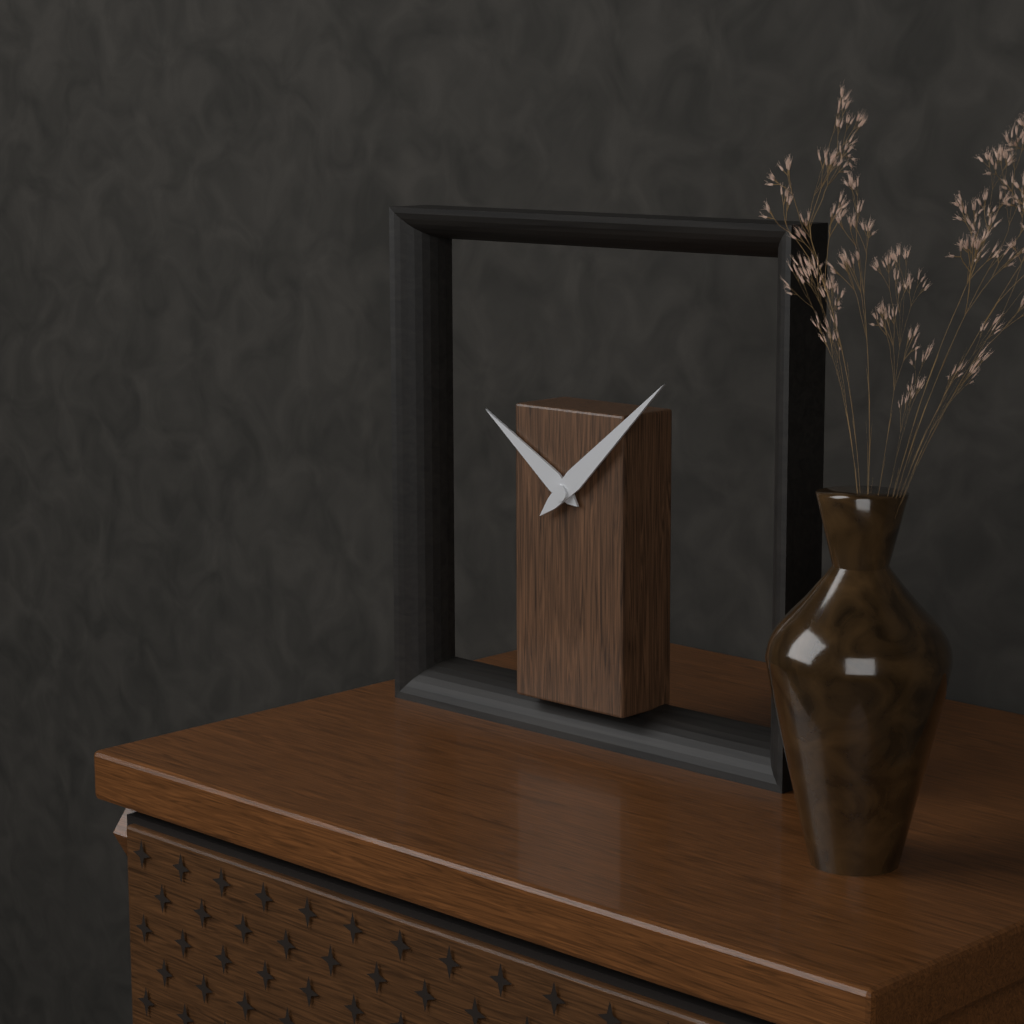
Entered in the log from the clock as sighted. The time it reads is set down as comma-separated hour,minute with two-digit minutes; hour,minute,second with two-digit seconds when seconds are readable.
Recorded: 10,08
